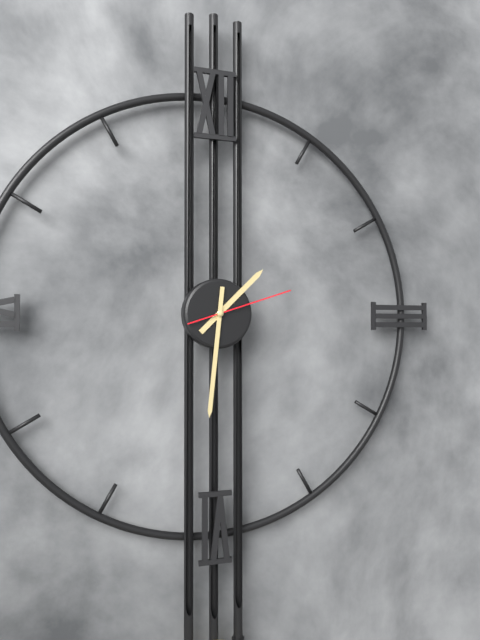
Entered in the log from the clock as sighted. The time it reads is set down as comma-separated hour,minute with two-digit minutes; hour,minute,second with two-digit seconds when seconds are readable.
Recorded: 1,31,12
